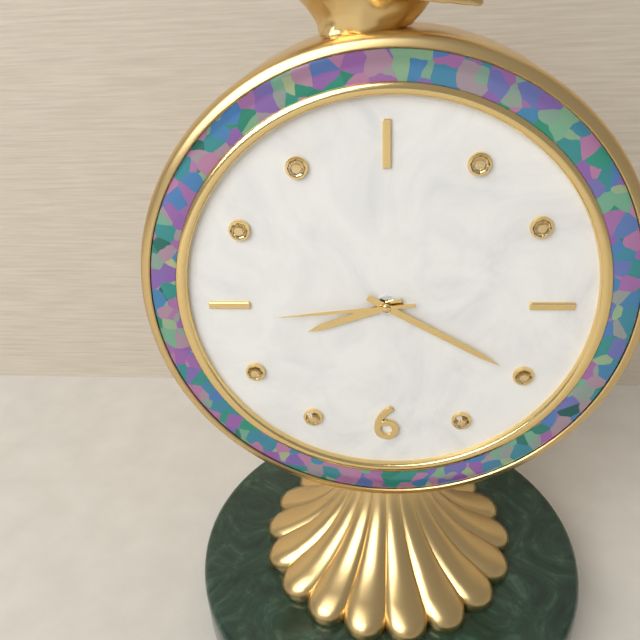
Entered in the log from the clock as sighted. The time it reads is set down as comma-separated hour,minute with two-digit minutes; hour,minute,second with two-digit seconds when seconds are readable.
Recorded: 8,20,44
